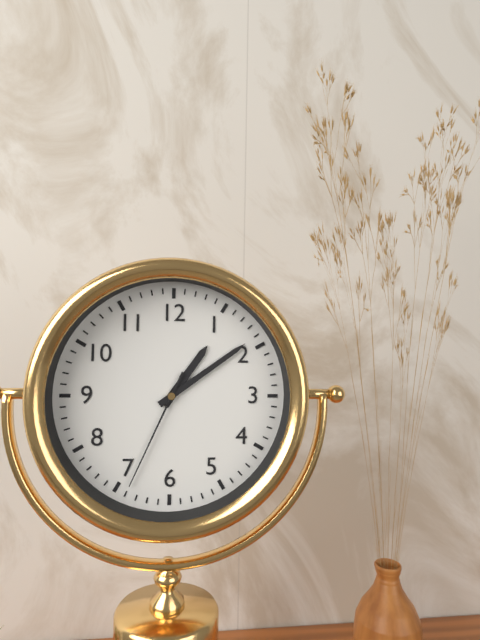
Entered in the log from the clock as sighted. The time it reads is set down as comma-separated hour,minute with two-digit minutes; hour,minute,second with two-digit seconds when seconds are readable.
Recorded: 1,09,34
